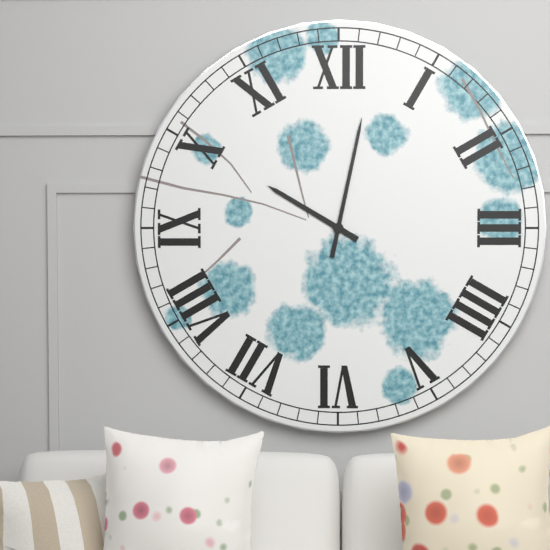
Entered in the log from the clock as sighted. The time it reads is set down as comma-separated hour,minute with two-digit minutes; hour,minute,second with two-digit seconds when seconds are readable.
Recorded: 10,02
